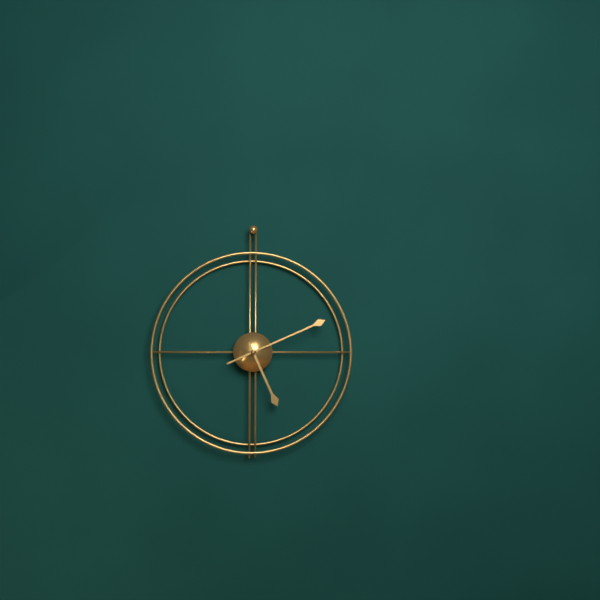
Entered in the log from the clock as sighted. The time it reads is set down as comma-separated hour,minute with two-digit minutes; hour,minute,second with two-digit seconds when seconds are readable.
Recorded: 5,11
